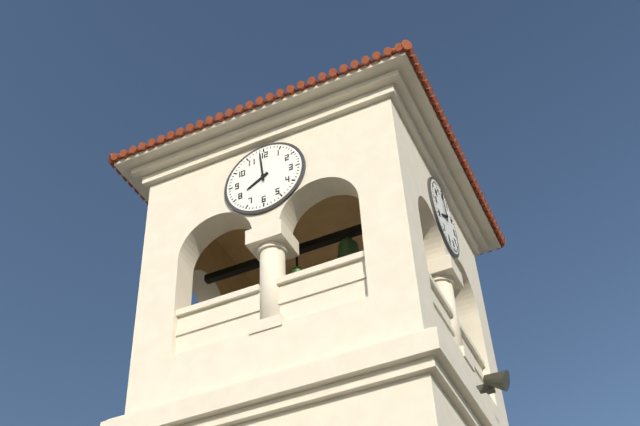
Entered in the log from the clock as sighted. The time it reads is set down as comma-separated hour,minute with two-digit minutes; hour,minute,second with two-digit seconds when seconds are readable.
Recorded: 7,59
